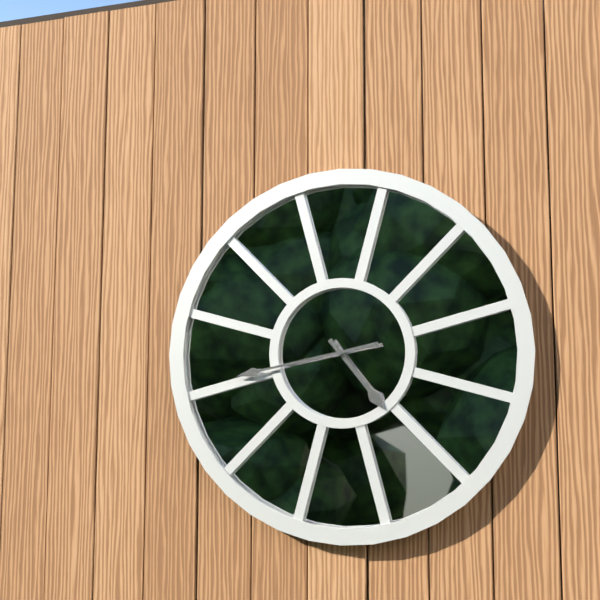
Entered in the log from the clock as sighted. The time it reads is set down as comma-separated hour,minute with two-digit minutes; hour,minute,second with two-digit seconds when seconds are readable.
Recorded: 4,43
